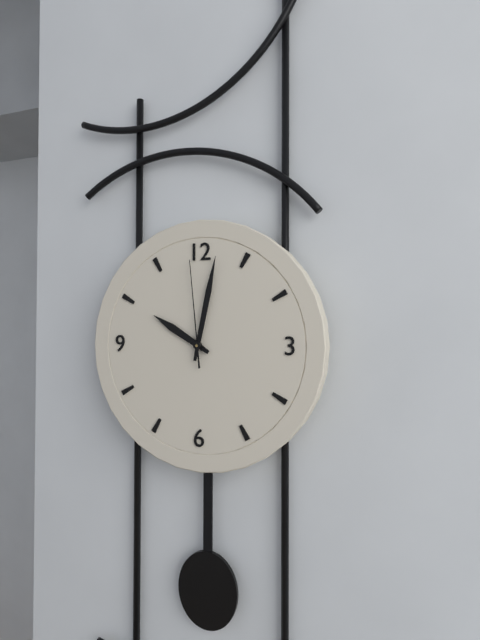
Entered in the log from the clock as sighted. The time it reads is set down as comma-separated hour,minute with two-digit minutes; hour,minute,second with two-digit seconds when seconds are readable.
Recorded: 10,02,59
